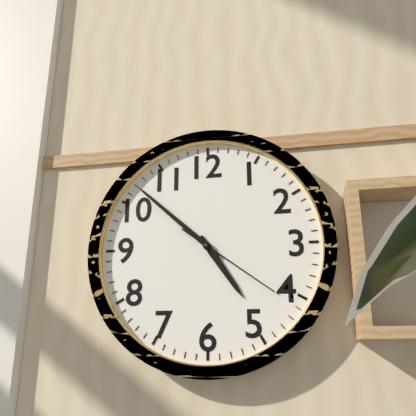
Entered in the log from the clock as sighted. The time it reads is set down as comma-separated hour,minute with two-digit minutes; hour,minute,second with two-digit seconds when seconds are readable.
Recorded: 4,52,21
